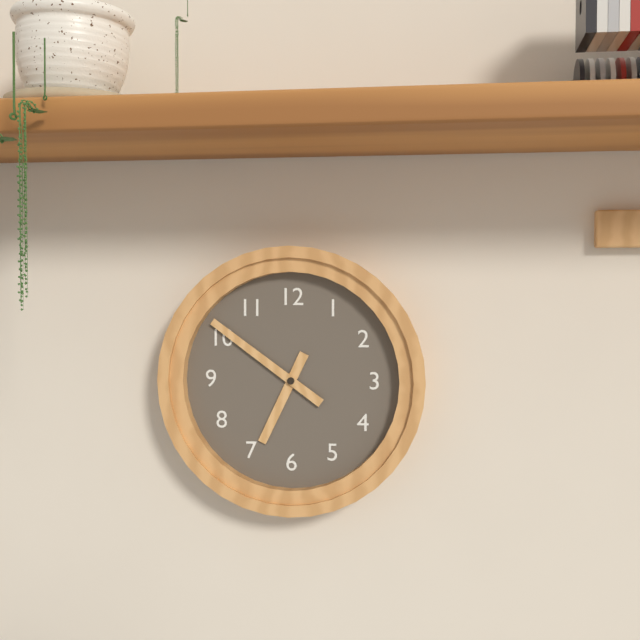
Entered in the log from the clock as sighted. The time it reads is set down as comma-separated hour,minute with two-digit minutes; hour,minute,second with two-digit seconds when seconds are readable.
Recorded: 6,51
